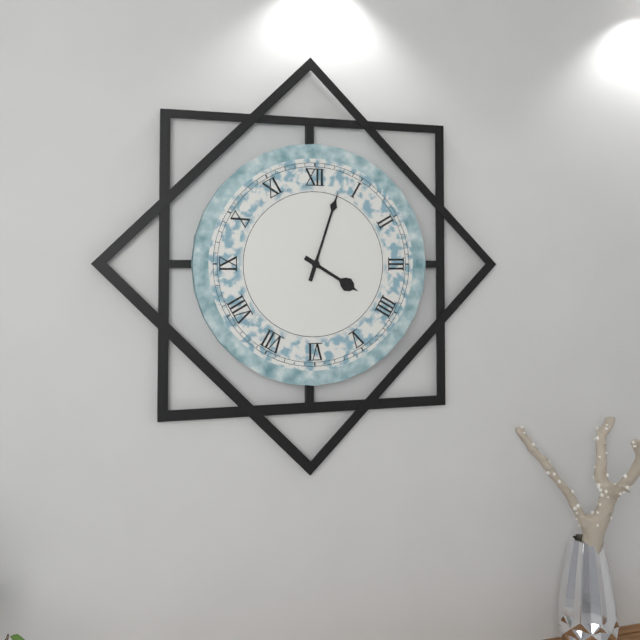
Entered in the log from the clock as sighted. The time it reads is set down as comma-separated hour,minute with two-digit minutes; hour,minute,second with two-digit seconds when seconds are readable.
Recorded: 4,03
